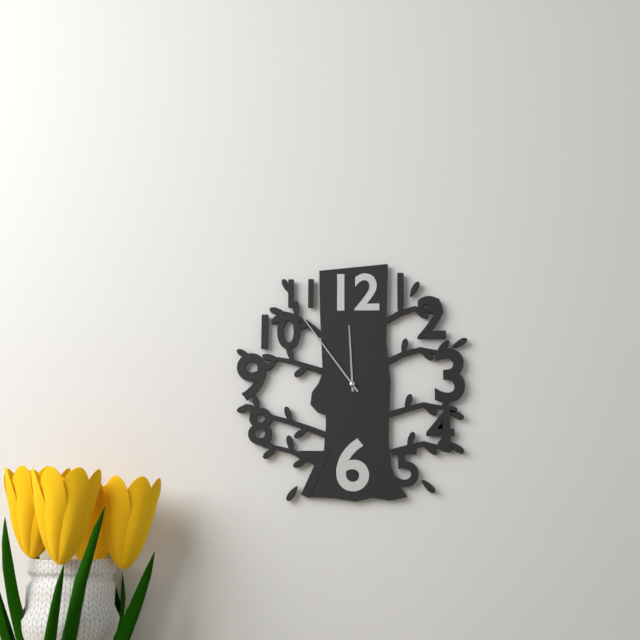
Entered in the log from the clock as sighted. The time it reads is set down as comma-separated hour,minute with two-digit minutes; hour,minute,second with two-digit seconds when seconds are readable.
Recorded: 11,54
